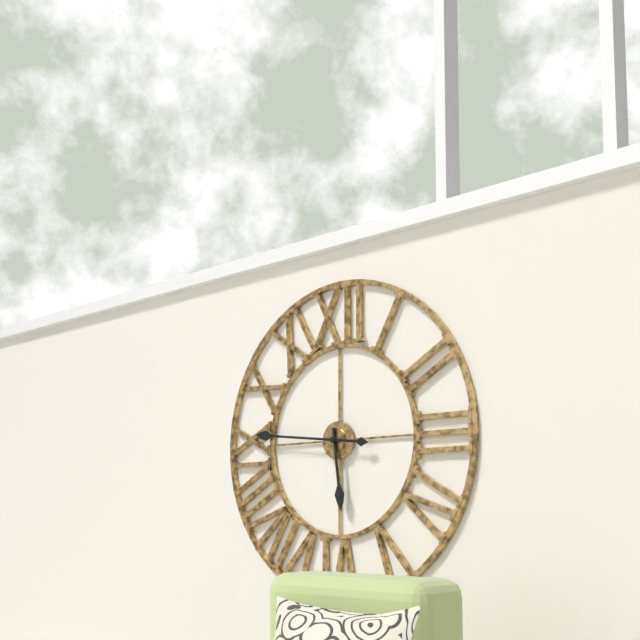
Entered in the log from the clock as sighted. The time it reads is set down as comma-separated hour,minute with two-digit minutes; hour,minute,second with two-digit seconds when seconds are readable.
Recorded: 5,46
